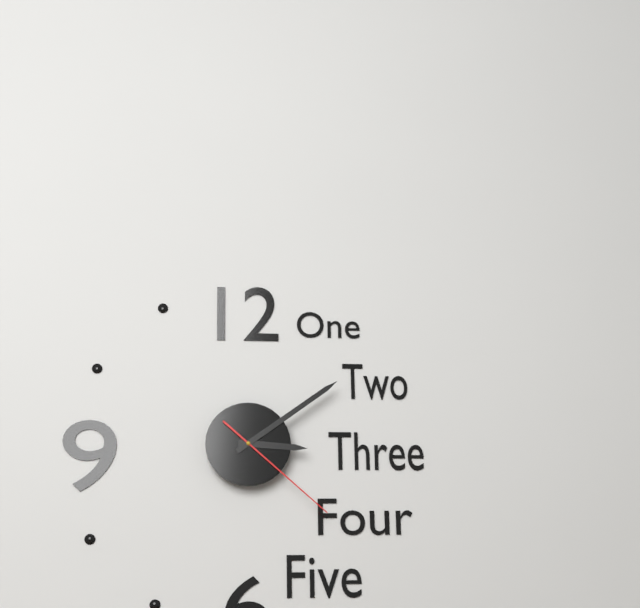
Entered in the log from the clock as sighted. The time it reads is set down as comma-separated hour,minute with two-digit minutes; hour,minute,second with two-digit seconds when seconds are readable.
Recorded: 3,09,22
